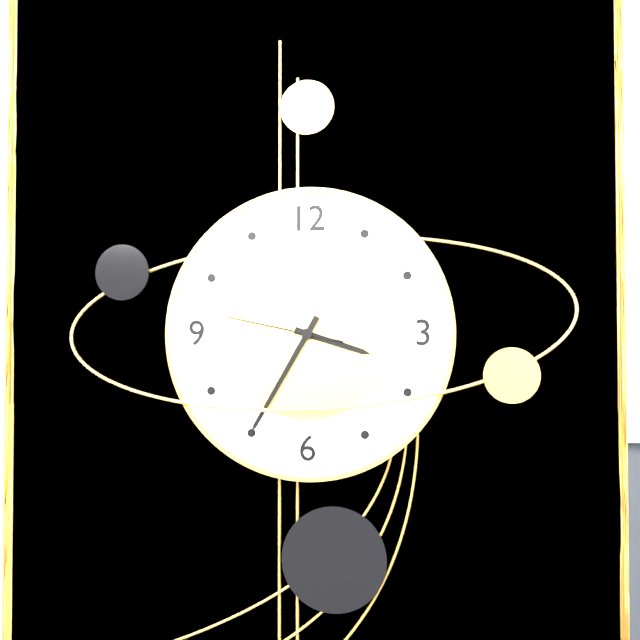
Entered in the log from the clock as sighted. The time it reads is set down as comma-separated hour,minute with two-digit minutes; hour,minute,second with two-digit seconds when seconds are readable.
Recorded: 3,35,47
